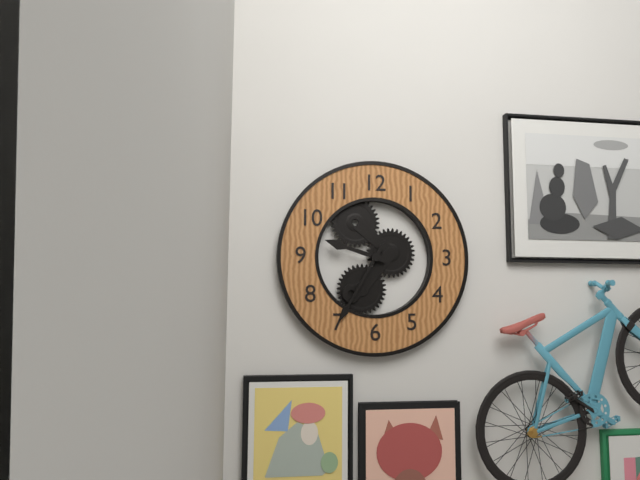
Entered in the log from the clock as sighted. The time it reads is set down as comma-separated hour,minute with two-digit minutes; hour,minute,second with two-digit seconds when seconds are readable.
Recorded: 9,35
